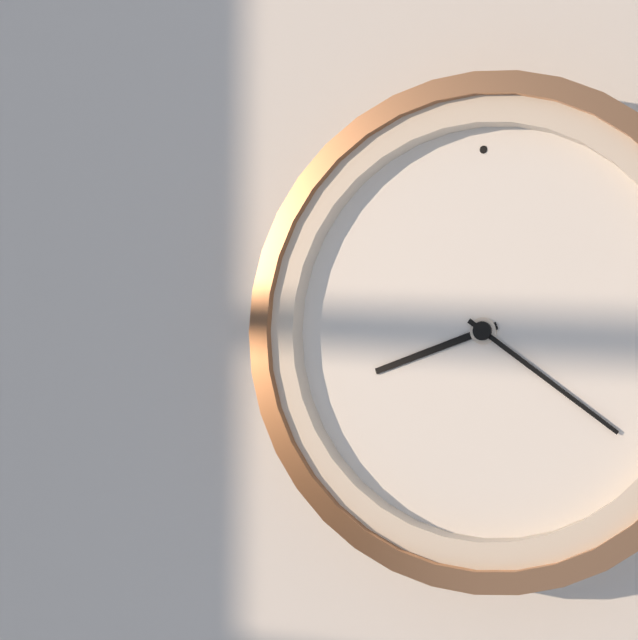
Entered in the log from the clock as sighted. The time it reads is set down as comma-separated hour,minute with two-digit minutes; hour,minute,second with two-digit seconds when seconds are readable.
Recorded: 8,21
